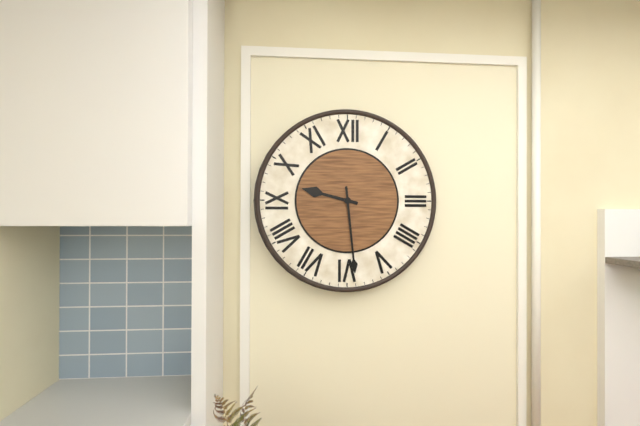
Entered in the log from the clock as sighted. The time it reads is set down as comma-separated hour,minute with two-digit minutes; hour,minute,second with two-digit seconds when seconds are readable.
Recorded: 9,29
